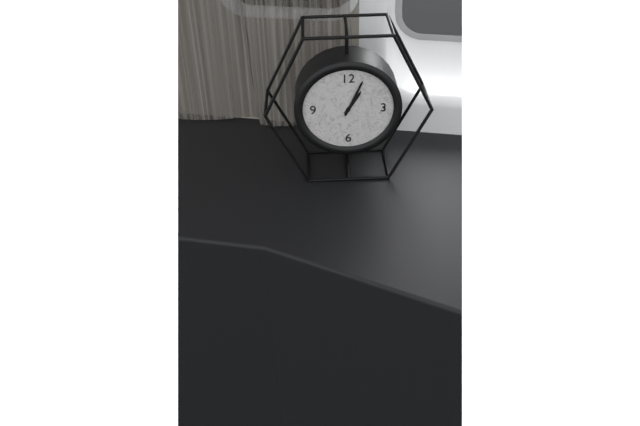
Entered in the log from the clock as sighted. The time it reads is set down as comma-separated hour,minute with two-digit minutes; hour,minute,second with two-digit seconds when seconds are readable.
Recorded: 1,04
